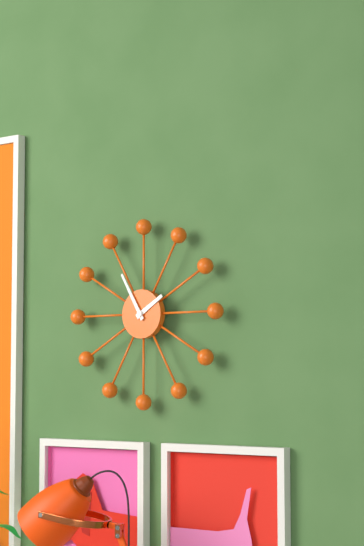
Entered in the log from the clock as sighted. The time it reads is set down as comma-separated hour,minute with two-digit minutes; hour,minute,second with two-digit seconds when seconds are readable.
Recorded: 1,55
